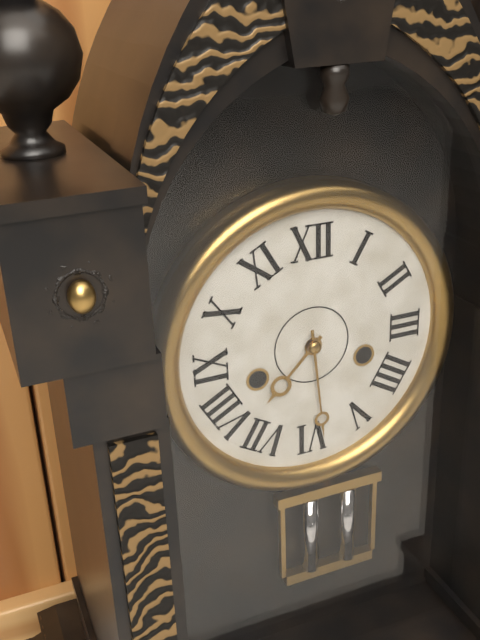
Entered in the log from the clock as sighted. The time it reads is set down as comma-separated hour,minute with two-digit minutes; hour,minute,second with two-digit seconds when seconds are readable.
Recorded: 7,29
